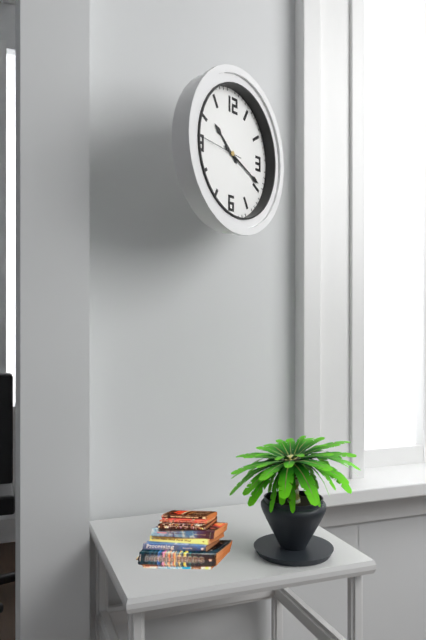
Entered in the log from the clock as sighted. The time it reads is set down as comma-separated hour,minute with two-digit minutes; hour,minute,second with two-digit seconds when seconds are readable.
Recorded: 10,19,46
